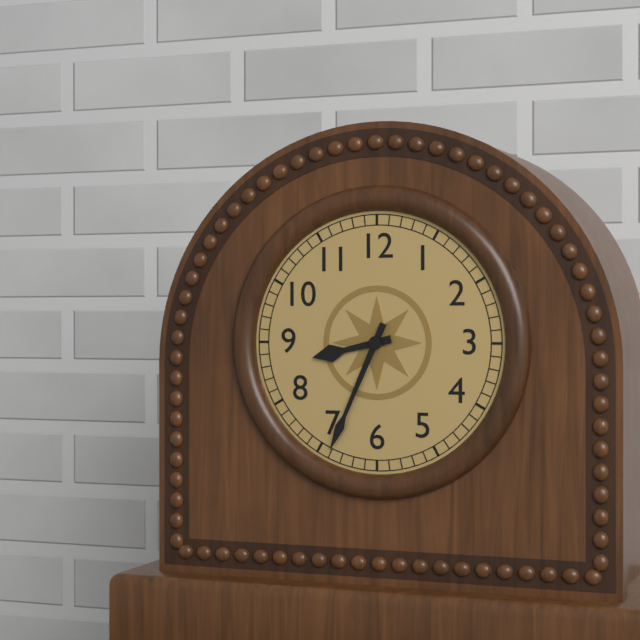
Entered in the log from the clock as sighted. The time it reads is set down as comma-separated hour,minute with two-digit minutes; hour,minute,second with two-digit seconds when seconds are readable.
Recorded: 8,34
